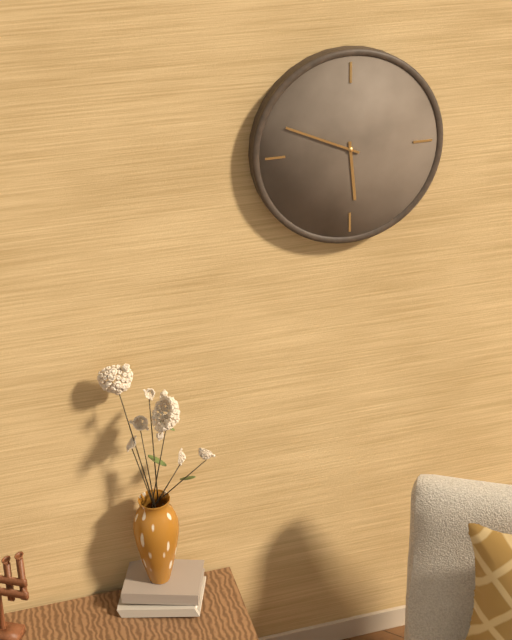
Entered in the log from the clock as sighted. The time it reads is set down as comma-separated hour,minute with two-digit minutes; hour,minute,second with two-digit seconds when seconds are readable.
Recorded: 5,49
